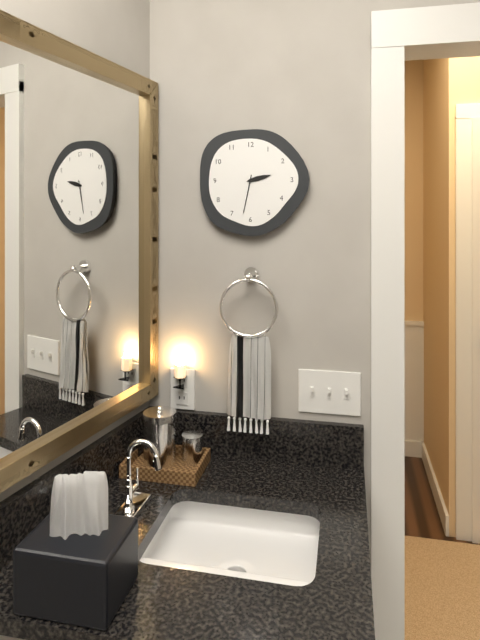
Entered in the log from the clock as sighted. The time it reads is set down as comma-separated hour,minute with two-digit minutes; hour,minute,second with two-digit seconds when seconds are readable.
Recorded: 2,32
